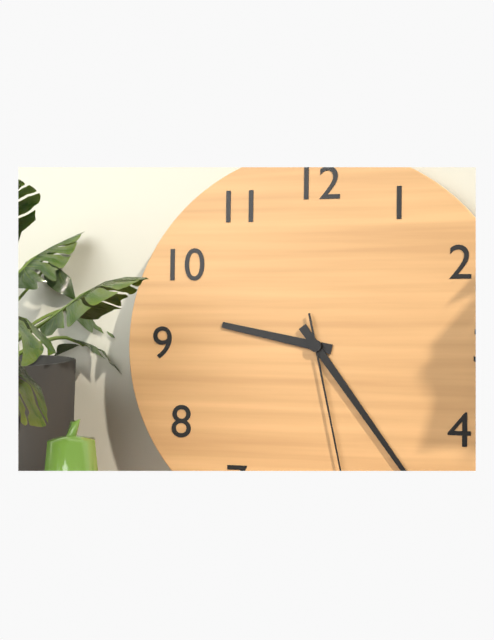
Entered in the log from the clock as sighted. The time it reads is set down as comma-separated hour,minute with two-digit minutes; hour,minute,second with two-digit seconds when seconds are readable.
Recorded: 9,24,28
